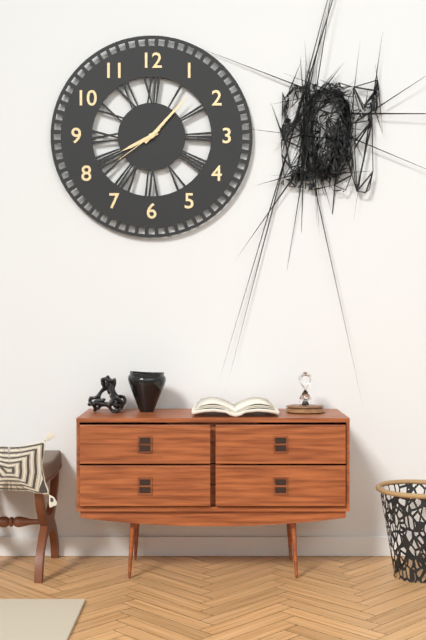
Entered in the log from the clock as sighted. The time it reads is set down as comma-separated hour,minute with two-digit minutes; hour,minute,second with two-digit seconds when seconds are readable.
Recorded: 8,07,39
